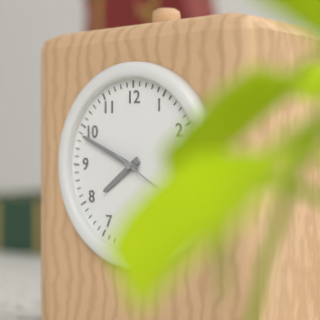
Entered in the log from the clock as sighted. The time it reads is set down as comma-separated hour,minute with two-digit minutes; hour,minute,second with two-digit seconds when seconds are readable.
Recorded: 7,49
